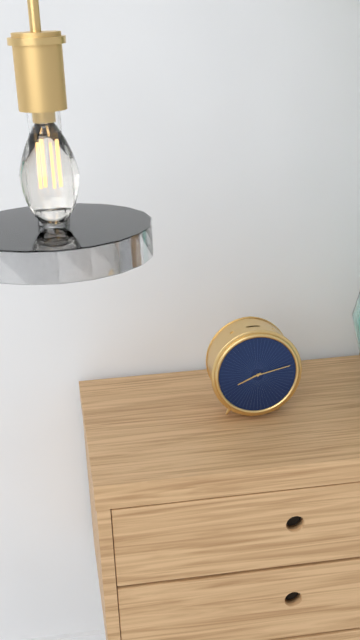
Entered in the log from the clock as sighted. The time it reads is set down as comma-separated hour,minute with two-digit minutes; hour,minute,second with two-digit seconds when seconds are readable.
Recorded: 8,13
